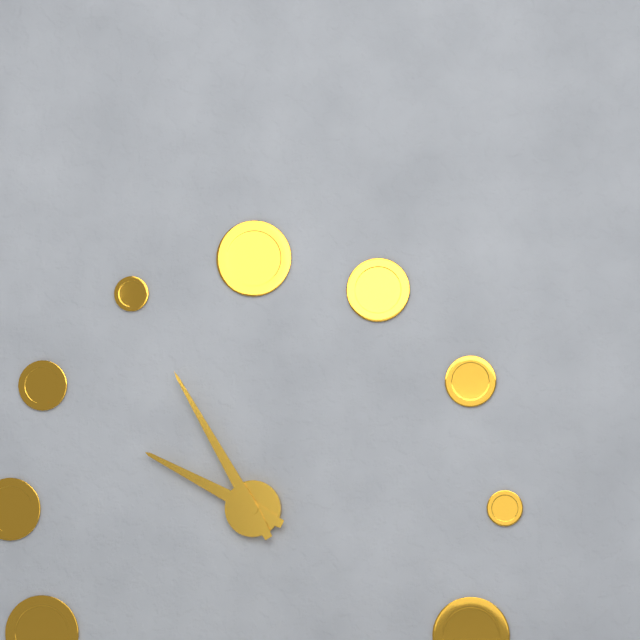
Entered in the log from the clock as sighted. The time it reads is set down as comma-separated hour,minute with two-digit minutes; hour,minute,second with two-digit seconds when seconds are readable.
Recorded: 9,55
